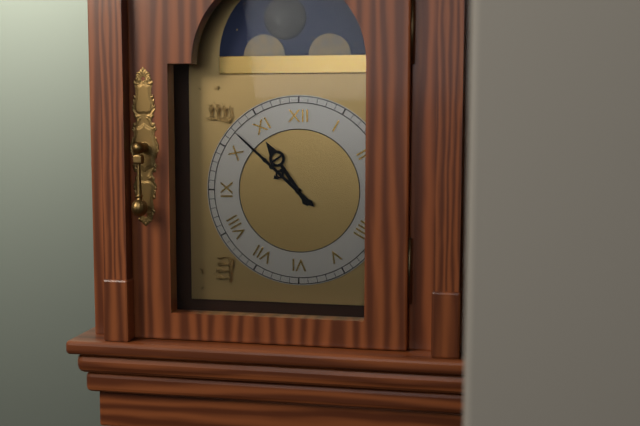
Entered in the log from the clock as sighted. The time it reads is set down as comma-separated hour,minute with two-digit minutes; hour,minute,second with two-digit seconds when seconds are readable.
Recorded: 10,52
